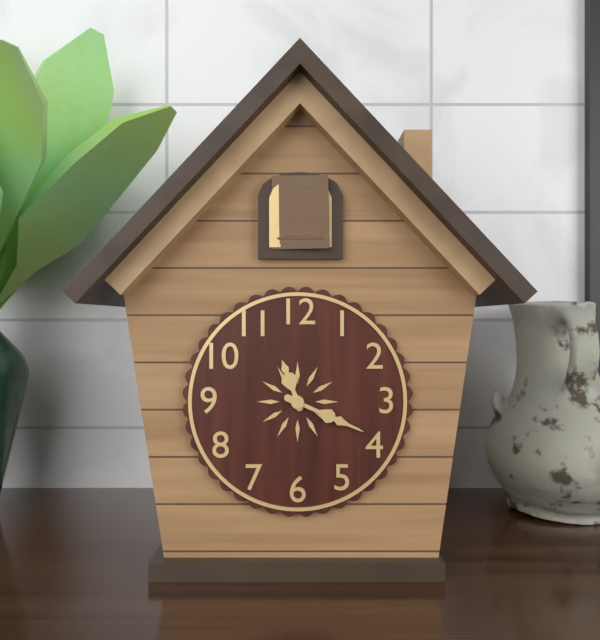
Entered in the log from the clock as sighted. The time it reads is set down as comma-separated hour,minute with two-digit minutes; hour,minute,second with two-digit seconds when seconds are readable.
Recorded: 11,19
